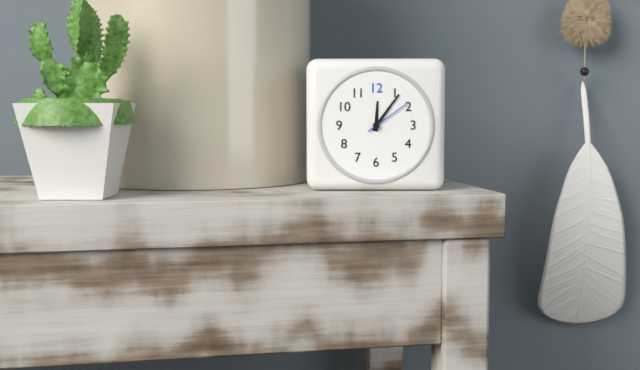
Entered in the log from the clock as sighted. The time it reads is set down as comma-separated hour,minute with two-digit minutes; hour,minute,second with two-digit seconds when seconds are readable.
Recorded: 12,06
